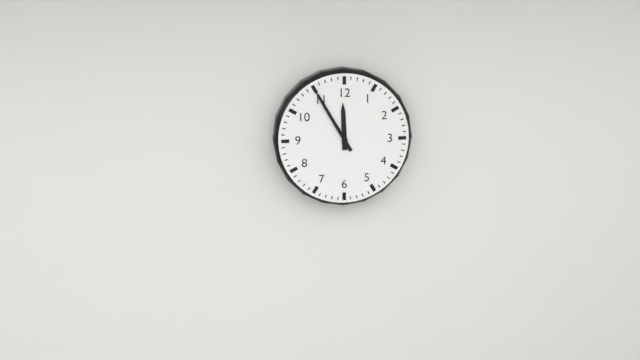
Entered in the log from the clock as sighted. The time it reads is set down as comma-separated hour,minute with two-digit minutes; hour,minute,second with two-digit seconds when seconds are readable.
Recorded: 11,55
